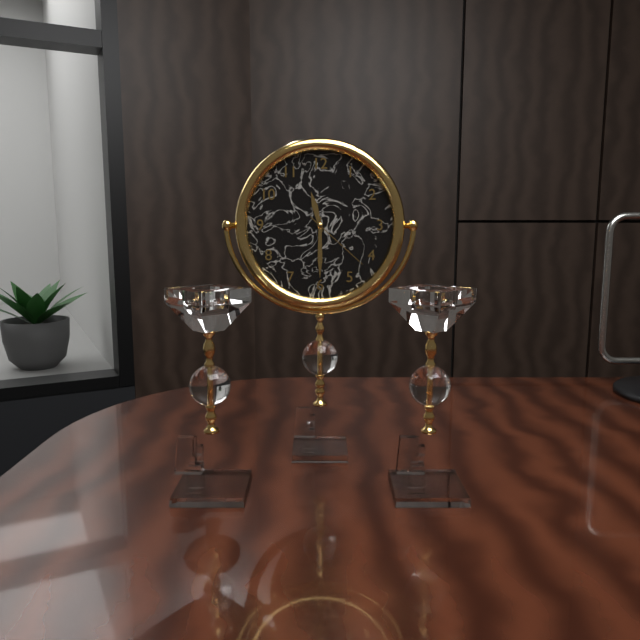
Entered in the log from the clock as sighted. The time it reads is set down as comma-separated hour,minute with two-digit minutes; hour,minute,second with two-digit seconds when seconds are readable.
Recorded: 11,30,22
